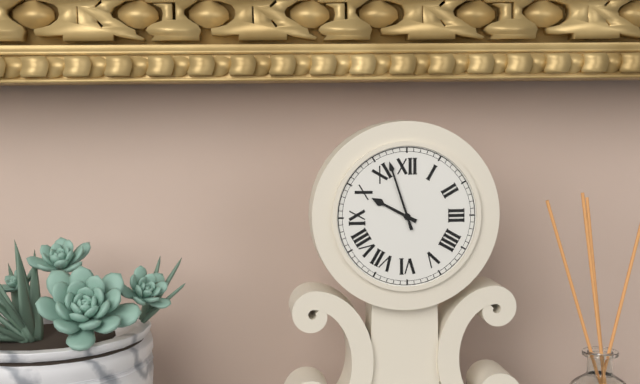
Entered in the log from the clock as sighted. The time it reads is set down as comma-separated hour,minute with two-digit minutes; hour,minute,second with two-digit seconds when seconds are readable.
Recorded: 9,57
